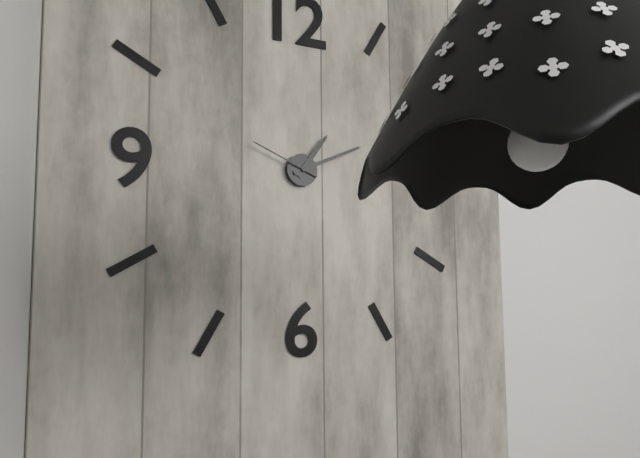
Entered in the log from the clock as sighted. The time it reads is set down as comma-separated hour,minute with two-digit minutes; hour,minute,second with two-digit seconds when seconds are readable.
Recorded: 1,11,49
